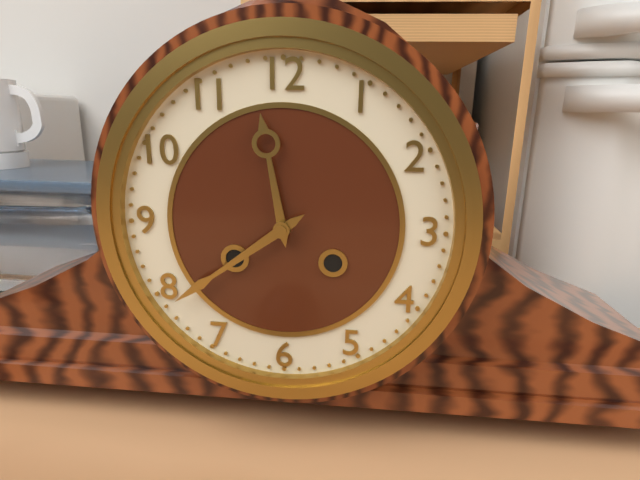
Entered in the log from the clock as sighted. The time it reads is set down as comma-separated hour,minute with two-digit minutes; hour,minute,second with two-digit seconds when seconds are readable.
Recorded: 11,39
